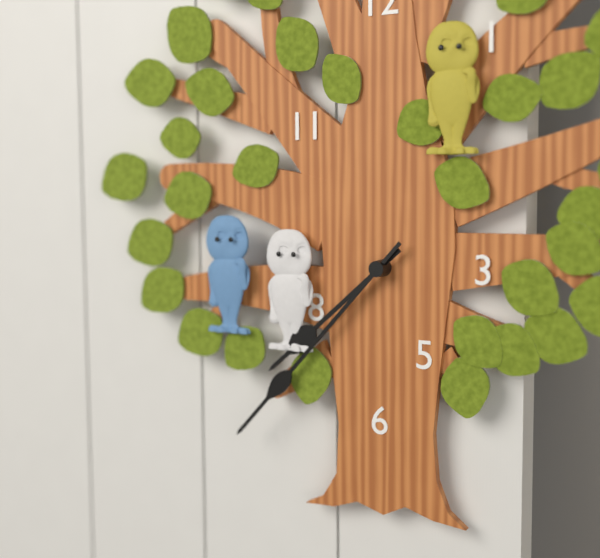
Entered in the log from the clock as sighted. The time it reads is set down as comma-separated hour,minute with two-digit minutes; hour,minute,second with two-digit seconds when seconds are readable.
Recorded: 7,37
